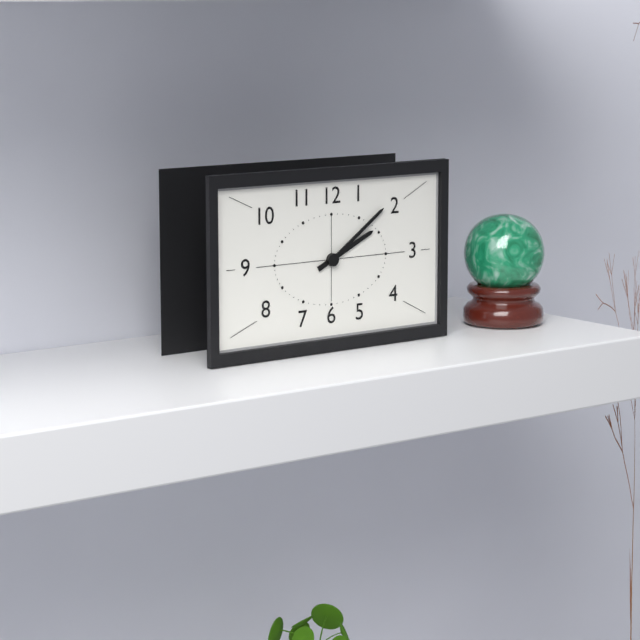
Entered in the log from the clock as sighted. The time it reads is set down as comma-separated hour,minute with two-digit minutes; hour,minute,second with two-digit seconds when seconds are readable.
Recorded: 2,09
